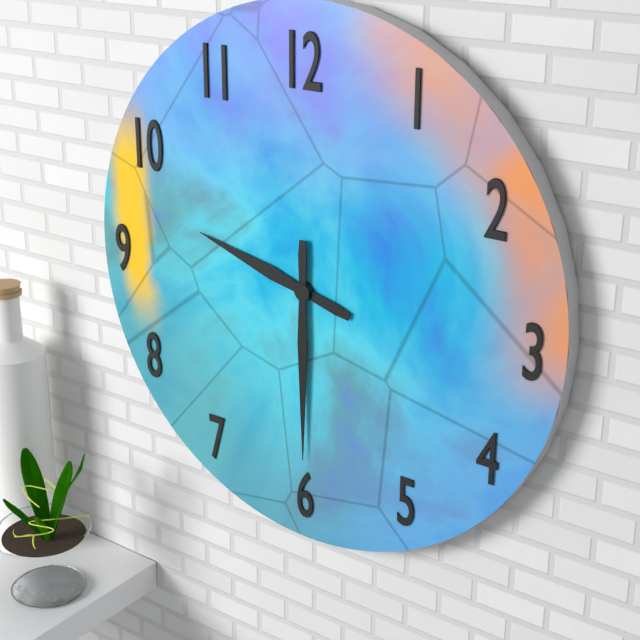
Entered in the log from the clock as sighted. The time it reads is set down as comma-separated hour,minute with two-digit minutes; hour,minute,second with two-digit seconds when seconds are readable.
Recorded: 9,30
